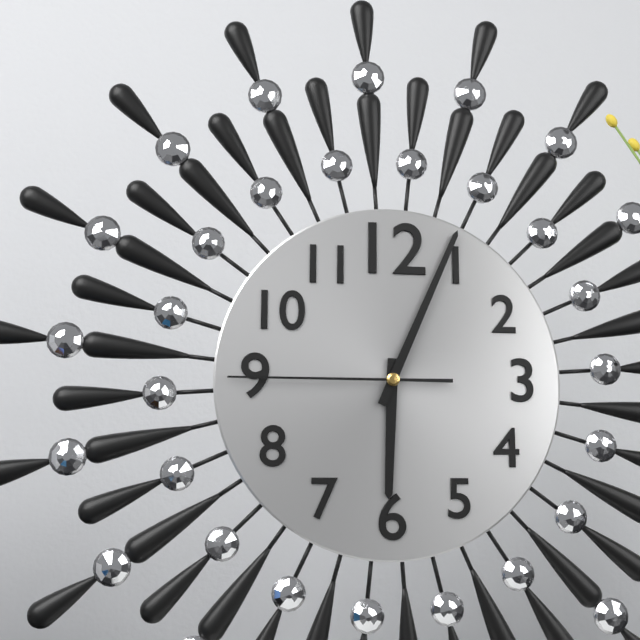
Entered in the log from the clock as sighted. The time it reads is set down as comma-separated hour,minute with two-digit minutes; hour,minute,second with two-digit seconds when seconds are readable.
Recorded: 6,04,45
